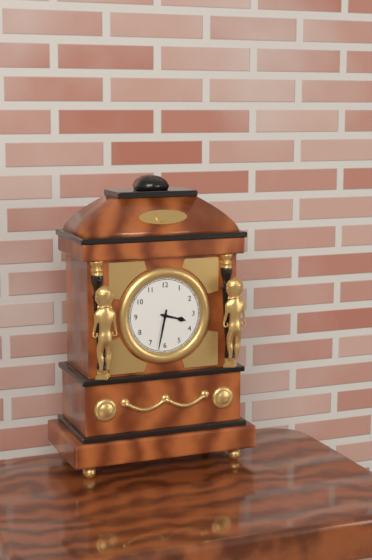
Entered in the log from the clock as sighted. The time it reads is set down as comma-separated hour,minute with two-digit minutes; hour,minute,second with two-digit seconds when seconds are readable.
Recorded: 3,32
